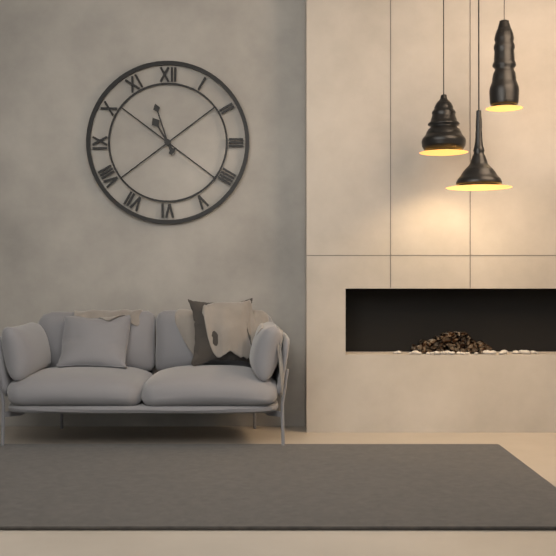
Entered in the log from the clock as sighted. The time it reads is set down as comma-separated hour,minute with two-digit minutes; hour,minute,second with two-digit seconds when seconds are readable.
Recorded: 10,57
